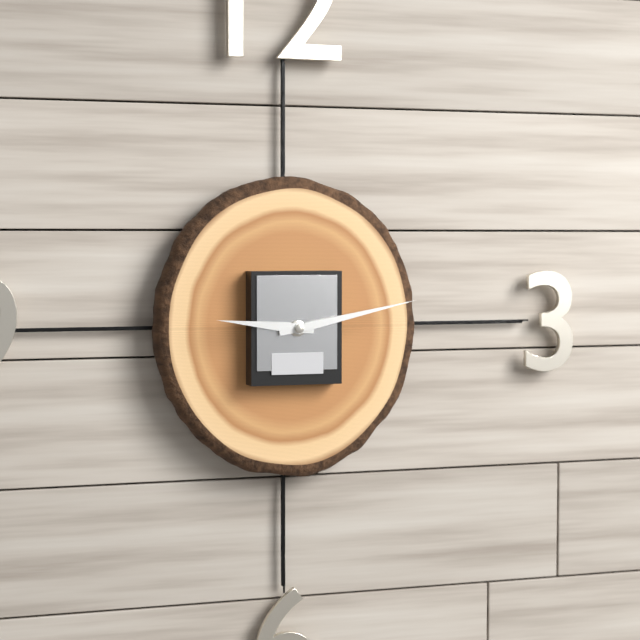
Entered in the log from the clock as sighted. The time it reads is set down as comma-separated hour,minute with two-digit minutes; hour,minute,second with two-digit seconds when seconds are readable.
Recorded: 9,13
